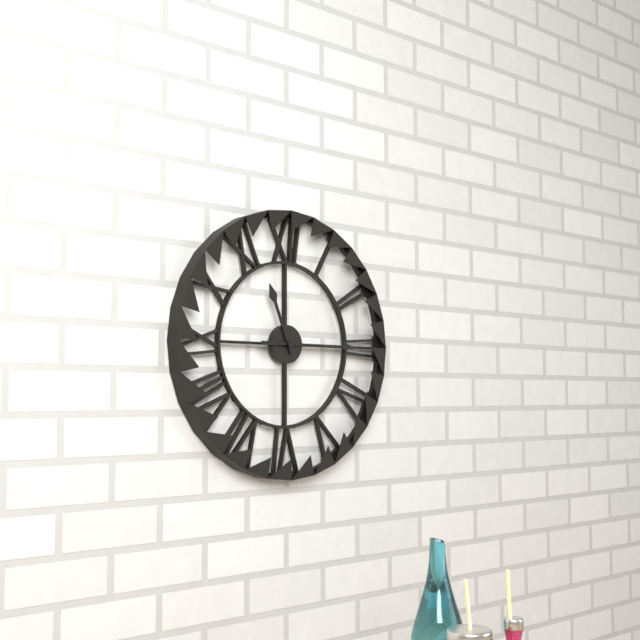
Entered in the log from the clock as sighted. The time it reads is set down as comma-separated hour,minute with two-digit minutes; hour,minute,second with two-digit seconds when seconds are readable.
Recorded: 11,15
